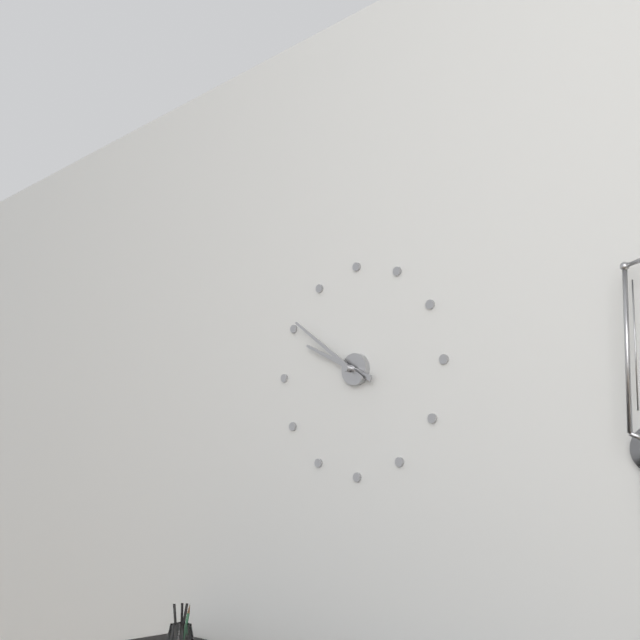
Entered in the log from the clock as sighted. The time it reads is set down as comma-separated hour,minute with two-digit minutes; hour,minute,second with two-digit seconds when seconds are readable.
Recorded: 9,51
